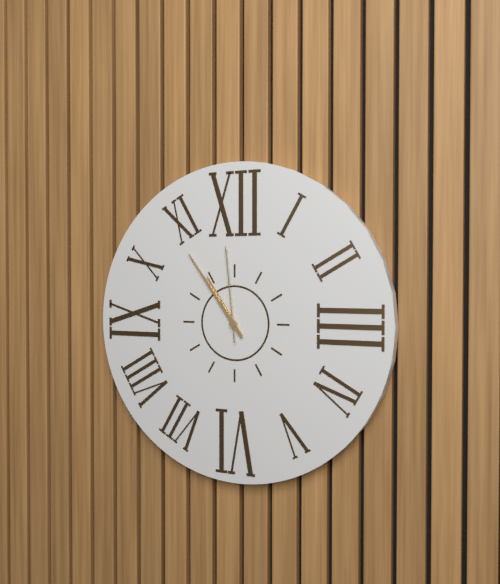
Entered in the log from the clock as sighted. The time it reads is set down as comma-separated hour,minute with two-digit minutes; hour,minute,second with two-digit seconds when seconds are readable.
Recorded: 10,54,59
